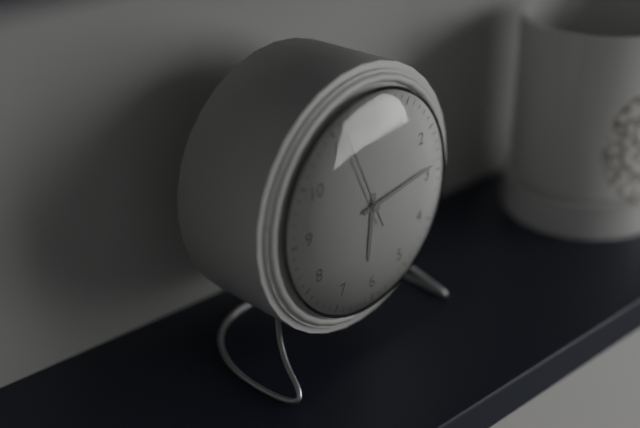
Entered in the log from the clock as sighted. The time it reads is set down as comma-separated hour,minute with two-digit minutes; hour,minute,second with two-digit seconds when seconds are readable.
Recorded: 6,14,56
